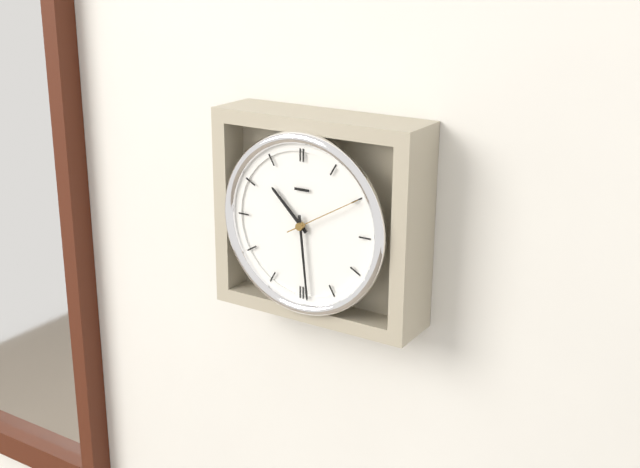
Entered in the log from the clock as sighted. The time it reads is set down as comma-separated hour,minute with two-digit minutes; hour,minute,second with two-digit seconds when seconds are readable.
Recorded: 10,29,10
